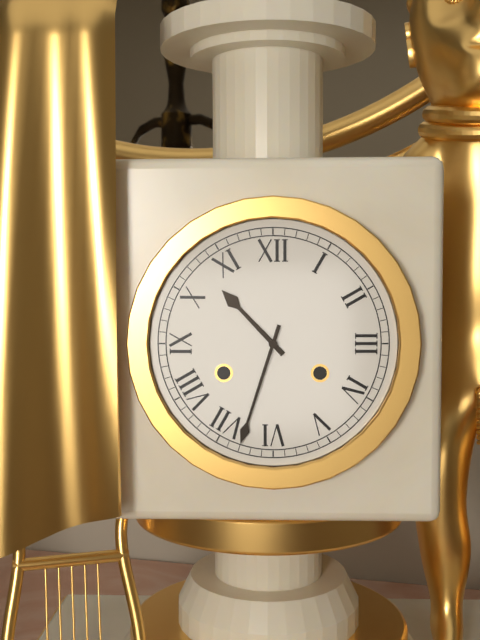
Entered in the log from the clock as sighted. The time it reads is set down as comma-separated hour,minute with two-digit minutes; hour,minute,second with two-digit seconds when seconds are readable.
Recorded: 10,33
